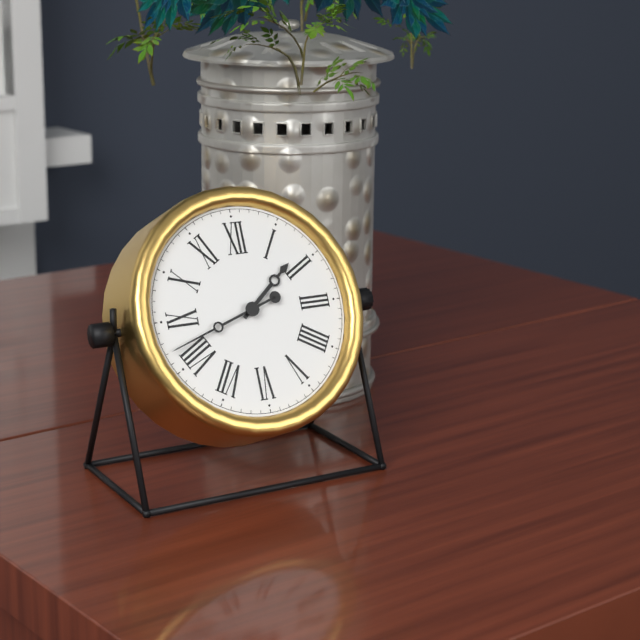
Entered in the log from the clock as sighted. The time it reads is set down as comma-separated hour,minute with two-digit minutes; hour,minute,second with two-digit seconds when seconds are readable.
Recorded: 1,42
